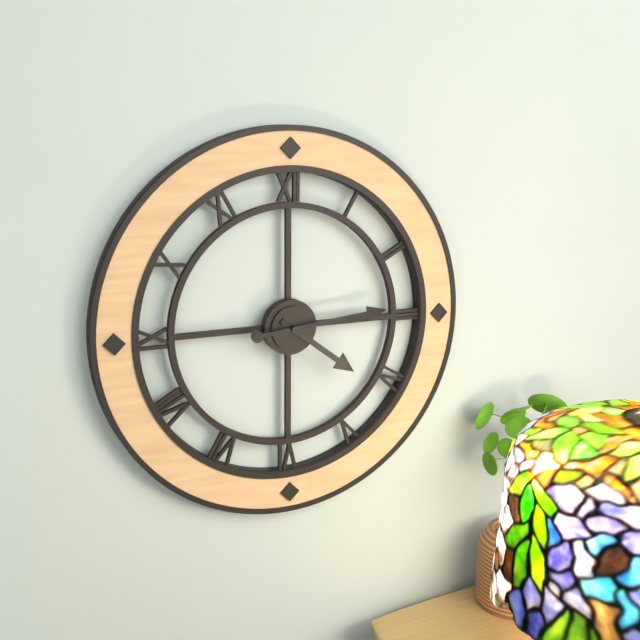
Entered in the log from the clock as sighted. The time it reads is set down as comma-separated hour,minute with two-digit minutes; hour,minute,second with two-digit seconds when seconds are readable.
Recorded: 4,14
